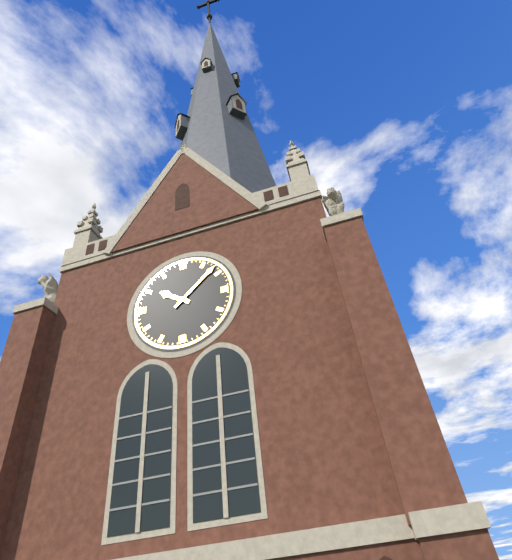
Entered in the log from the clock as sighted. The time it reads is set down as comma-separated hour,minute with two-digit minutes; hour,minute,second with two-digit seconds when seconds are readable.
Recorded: 10,08
